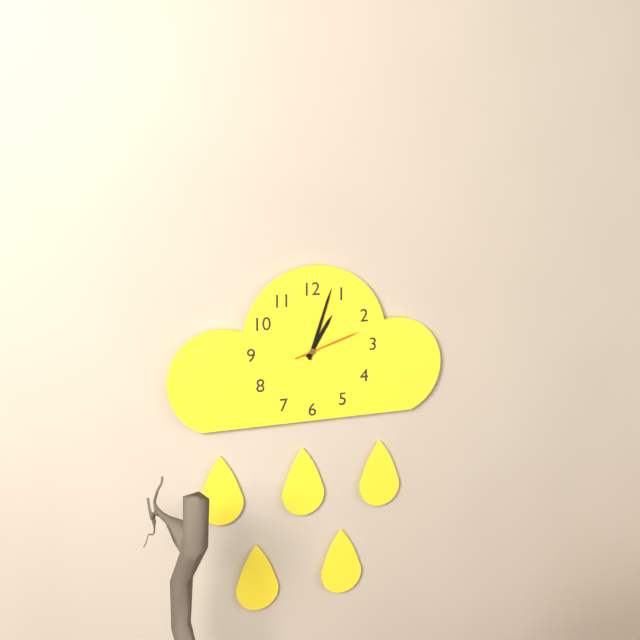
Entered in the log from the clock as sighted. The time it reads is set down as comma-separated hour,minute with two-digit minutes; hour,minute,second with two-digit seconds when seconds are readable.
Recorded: 1,03,12
